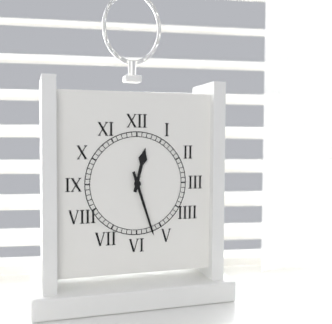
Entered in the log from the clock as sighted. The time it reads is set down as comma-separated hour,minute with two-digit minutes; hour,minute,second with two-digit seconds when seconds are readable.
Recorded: 12,27
